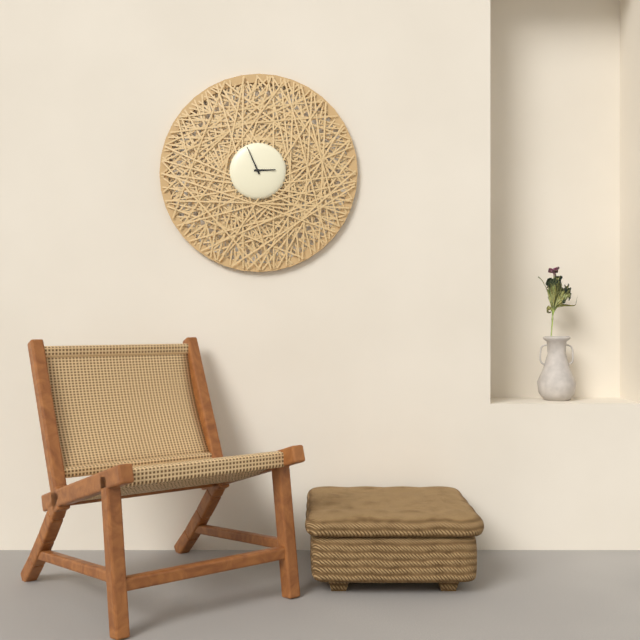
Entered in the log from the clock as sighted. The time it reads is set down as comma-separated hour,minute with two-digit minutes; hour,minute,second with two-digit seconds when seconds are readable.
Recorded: 2,56
